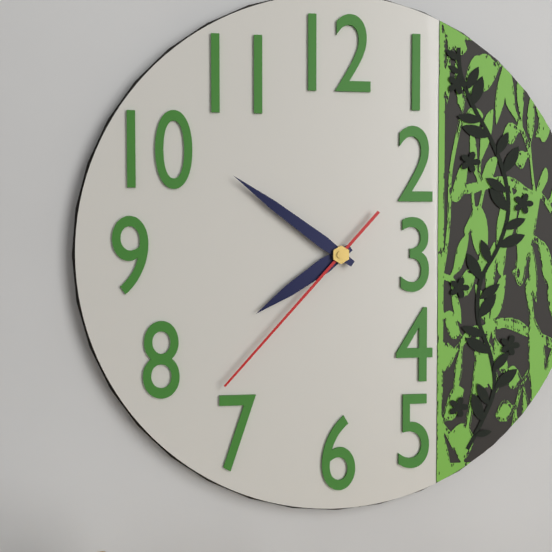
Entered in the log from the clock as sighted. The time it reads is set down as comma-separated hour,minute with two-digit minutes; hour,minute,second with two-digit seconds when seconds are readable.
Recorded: 7,51,37
